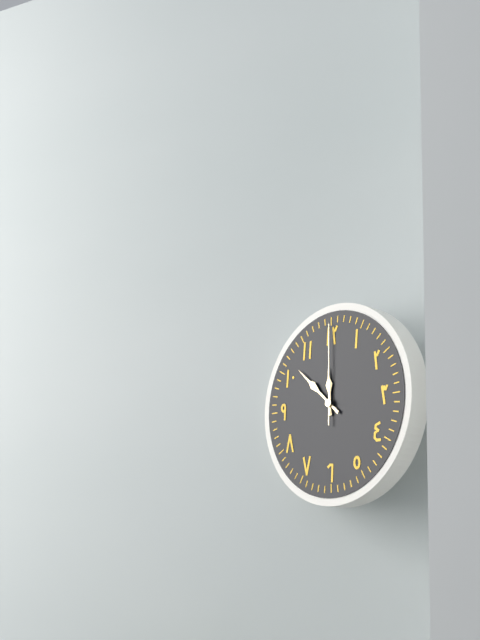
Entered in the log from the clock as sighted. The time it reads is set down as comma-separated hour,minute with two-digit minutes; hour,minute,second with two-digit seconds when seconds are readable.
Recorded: 11,52,00
